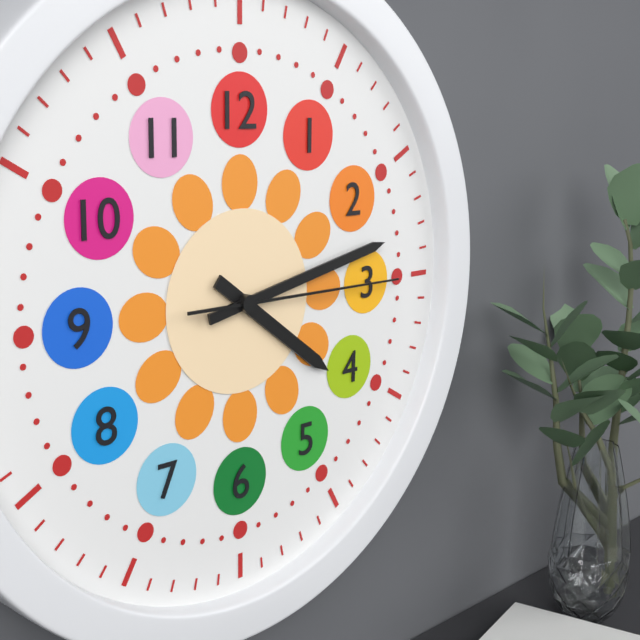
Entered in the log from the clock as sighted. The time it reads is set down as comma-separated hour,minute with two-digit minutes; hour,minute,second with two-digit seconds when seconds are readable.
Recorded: 4,13,15
